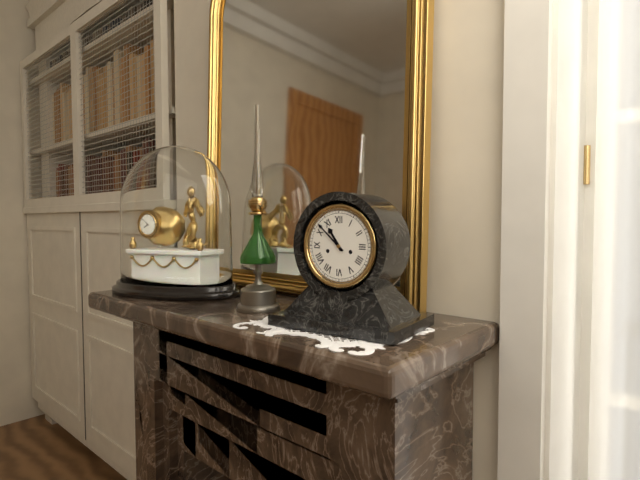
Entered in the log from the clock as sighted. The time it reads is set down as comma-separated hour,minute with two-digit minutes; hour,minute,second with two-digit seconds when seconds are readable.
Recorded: 10,52
